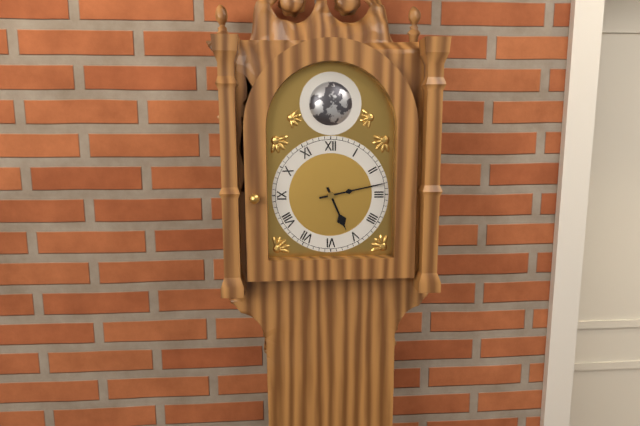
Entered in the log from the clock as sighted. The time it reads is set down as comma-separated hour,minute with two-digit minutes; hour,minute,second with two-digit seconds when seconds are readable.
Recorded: 5,13
